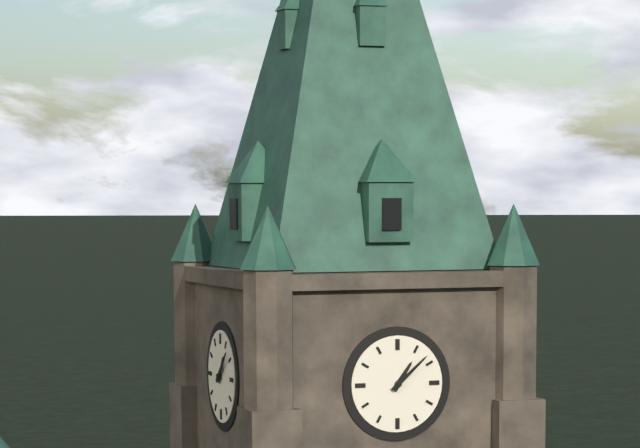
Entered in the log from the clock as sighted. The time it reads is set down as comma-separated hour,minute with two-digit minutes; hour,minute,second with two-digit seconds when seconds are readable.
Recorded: 1,08
